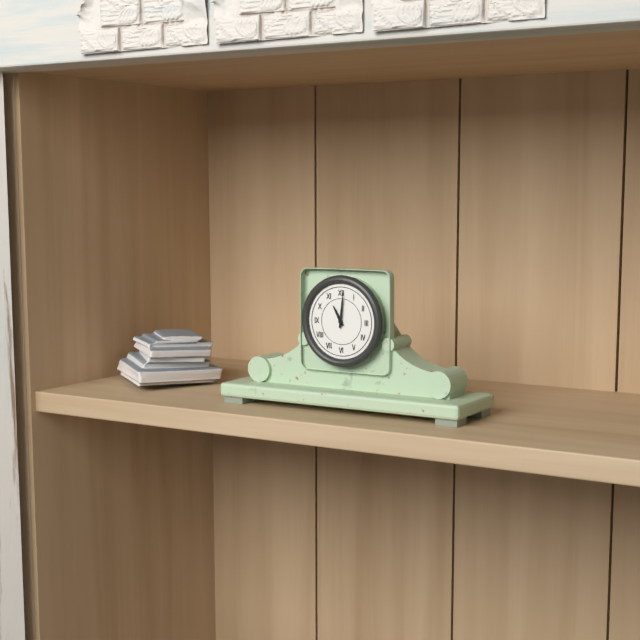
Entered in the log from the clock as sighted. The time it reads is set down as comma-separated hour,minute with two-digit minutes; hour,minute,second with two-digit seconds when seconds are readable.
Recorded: 11,01
